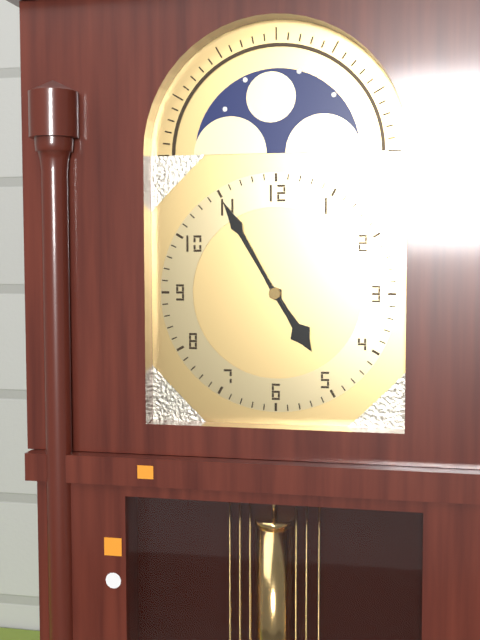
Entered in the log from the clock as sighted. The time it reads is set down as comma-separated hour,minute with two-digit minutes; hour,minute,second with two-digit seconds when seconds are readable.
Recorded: 4,55
